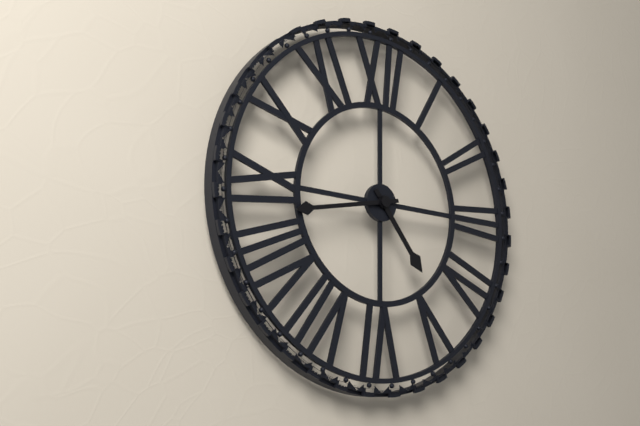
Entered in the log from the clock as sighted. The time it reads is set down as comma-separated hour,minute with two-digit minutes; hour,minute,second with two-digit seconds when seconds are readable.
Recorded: 4,43
